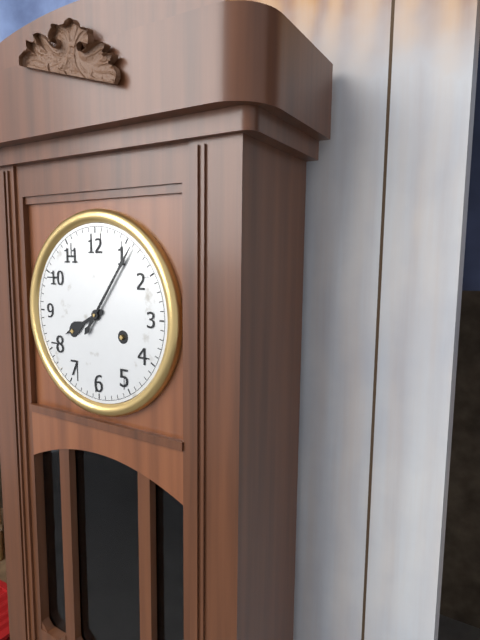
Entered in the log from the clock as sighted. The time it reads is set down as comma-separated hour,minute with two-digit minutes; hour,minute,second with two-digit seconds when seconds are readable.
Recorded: 8,06
